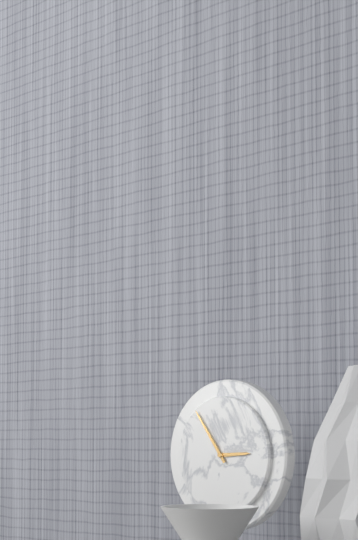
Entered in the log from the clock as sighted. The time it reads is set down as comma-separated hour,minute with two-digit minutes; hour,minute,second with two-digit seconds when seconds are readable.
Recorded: 2,54
